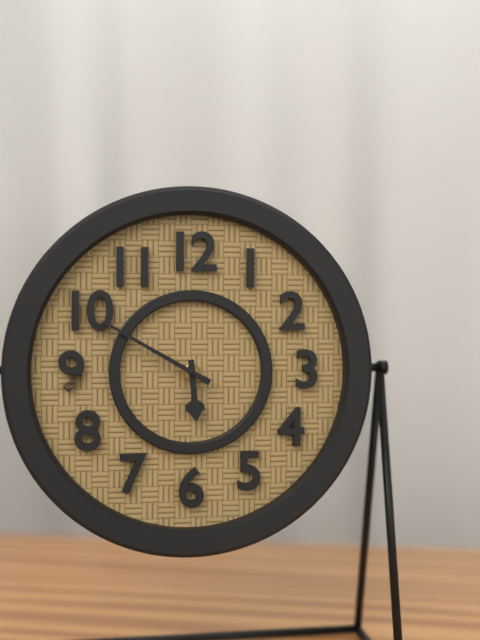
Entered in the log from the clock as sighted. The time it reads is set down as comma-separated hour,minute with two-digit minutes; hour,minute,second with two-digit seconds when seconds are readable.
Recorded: 5,50
